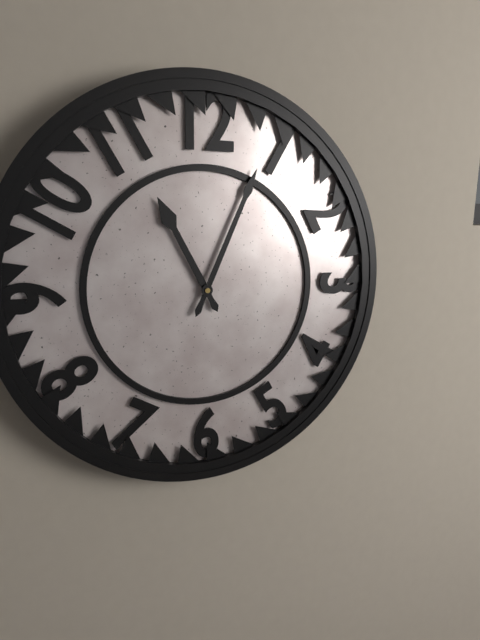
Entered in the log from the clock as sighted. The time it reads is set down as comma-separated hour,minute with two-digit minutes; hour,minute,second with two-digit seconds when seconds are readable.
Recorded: 11,04
